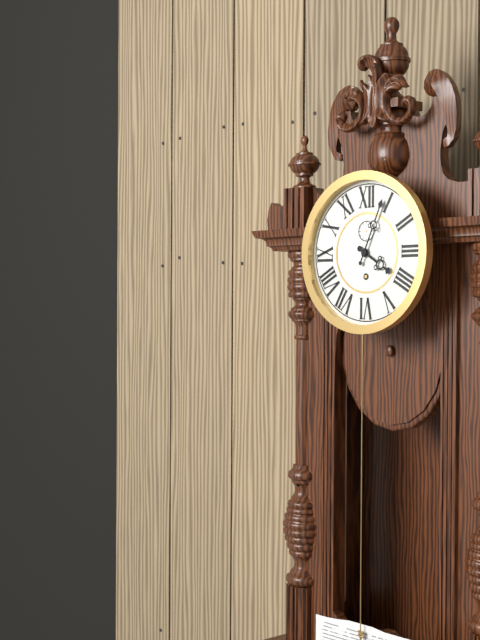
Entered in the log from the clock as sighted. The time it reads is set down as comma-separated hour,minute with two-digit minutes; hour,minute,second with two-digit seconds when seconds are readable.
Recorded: 4,04
